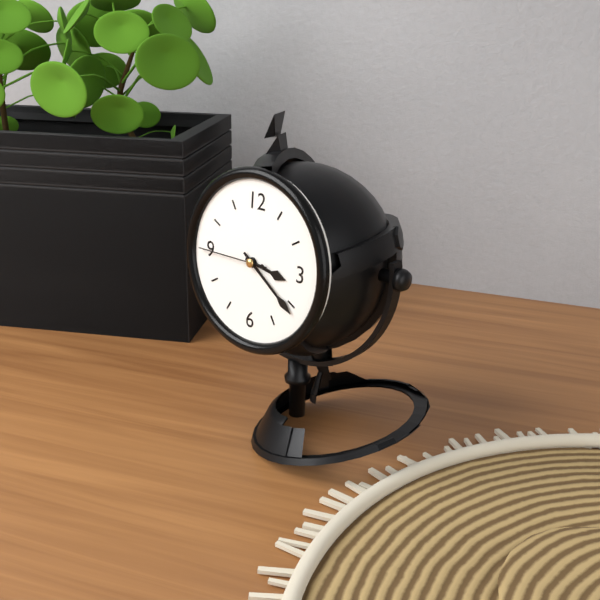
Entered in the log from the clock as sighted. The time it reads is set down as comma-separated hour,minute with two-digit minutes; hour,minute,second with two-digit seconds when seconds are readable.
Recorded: 3,21,45
